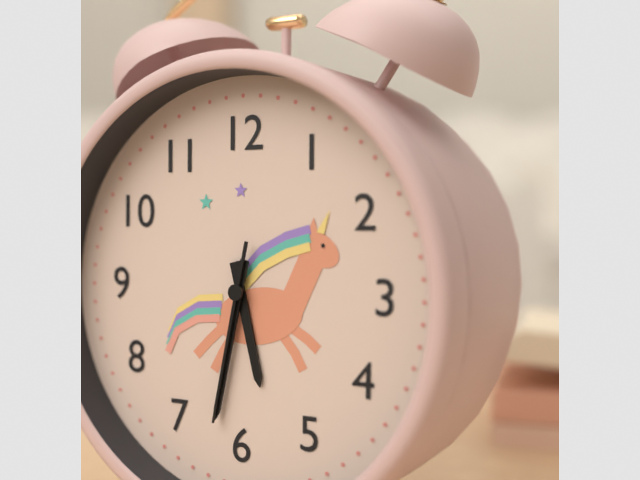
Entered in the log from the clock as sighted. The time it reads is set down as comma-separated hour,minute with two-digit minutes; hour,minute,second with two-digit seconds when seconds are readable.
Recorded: 5,32,32
